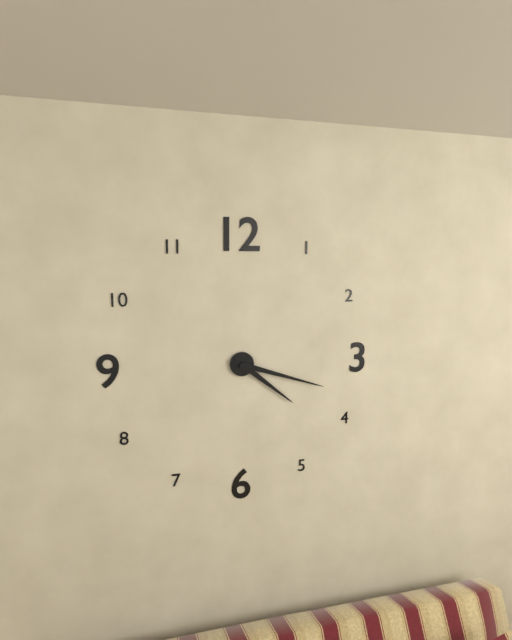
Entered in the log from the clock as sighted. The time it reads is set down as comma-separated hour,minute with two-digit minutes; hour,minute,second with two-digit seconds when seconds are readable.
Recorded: 4,18
